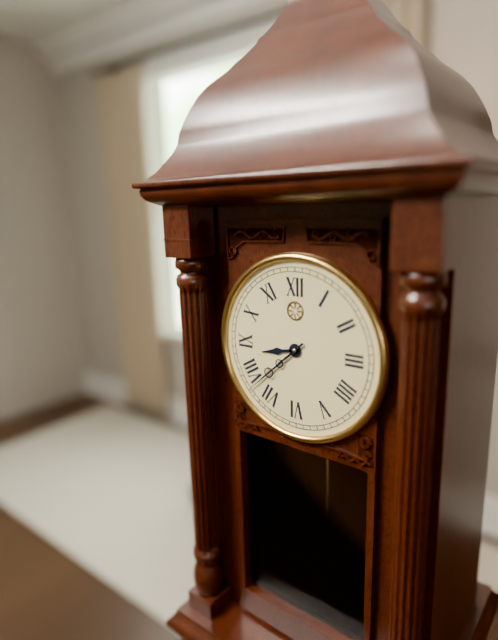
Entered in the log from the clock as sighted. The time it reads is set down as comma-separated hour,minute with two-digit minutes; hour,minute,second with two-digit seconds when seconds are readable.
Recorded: 8,38
